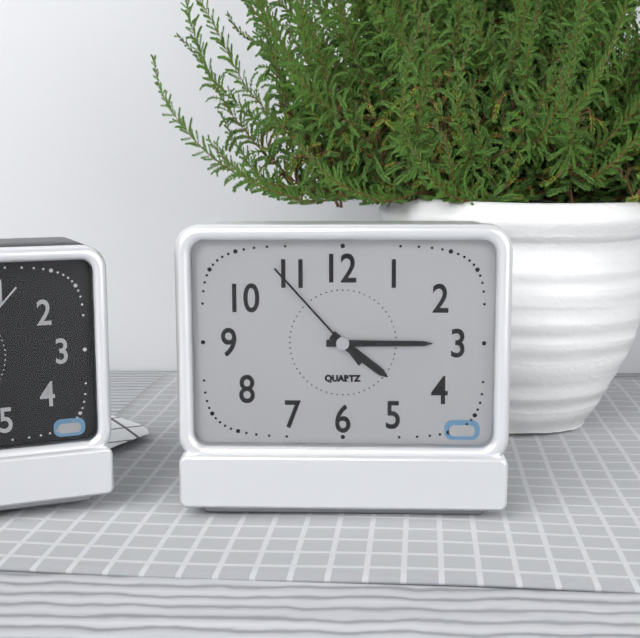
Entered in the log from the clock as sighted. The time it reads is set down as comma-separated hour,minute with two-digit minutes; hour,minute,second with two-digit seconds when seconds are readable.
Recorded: 4,15,53
